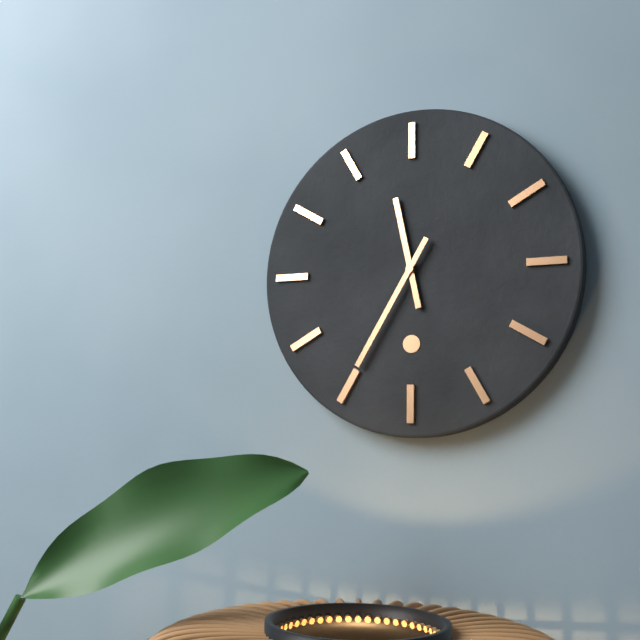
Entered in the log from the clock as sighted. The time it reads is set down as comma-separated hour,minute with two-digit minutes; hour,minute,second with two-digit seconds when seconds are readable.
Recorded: 11,35
